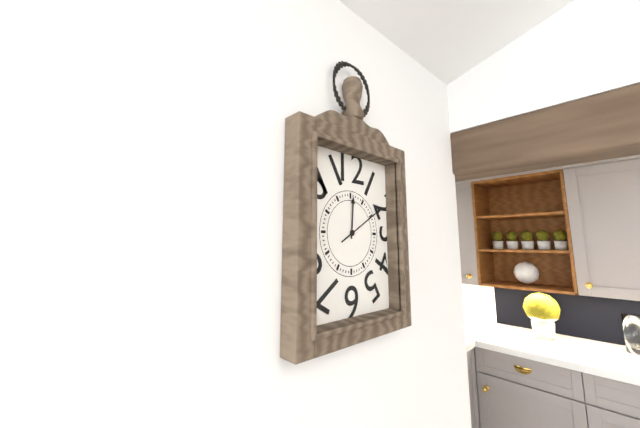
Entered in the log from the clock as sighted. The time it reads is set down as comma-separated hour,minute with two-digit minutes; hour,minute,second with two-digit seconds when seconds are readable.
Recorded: 12,10
